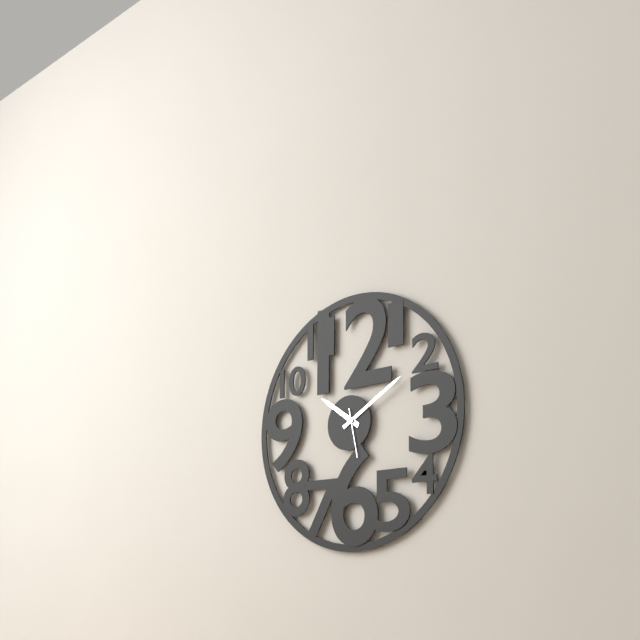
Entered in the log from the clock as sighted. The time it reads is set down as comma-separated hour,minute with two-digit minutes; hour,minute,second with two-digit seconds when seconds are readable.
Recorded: 10,10
